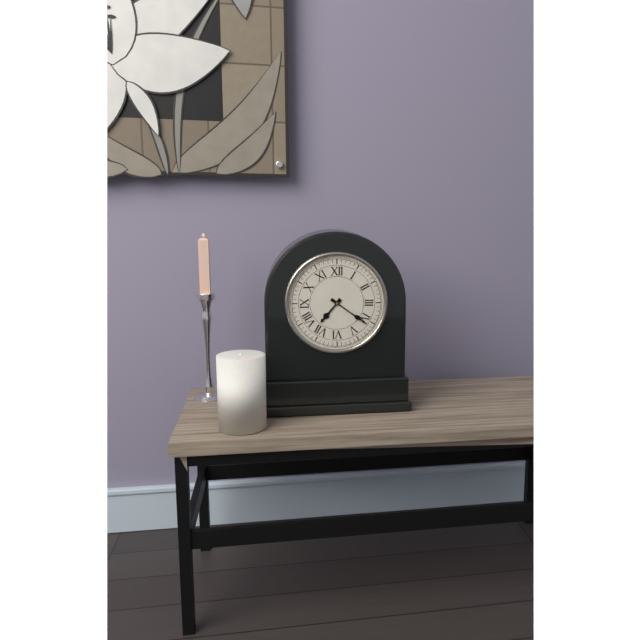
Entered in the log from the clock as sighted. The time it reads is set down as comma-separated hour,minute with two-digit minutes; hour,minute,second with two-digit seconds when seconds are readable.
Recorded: 7,21
